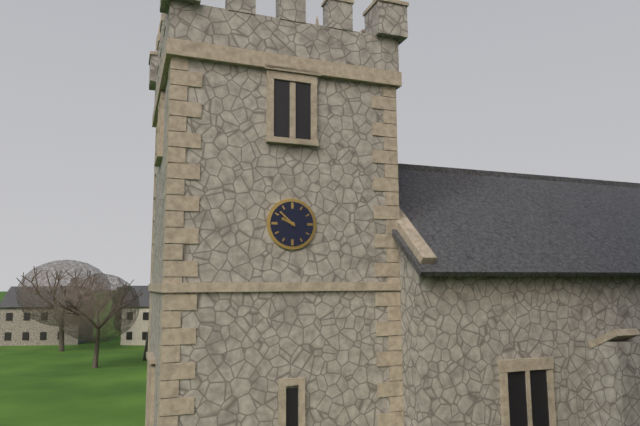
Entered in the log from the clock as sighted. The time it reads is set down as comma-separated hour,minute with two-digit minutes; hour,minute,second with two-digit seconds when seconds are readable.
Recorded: 9,52
